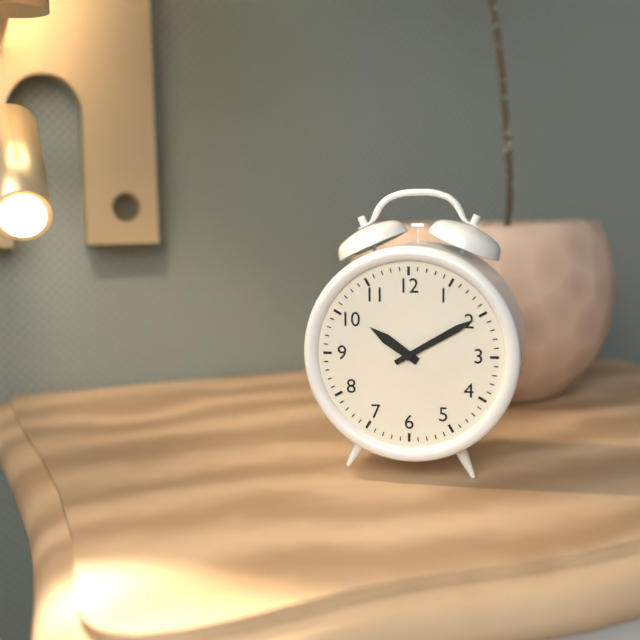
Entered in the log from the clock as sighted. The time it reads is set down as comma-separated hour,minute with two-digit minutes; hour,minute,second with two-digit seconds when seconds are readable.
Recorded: 10,10
